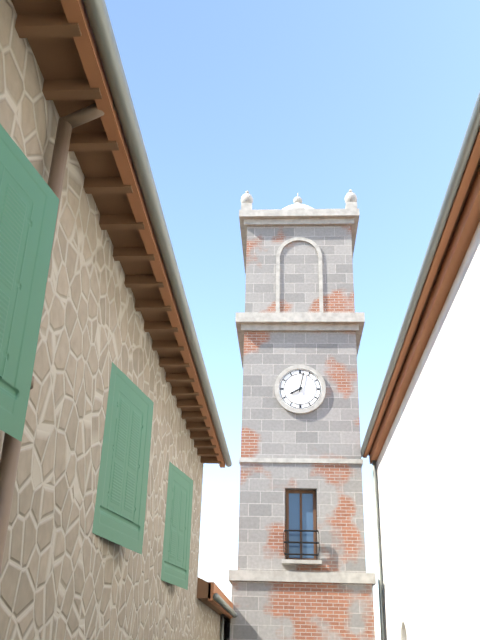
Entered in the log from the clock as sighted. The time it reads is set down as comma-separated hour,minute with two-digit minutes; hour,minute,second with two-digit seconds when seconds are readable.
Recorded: 8,02
